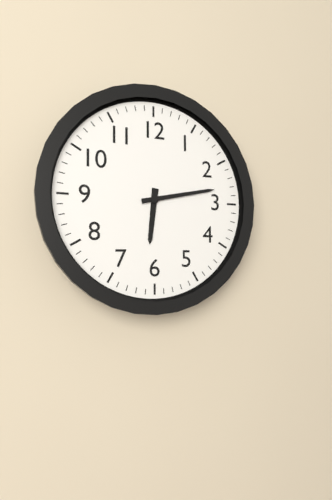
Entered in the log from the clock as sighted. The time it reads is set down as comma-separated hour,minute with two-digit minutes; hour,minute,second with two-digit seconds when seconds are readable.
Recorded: 6,13
